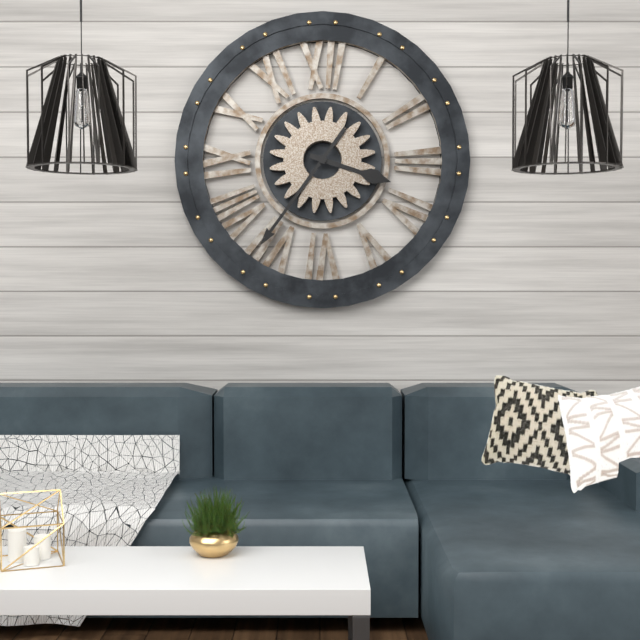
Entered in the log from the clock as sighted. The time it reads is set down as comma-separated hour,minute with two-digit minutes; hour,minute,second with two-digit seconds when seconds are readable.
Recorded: 3,36
